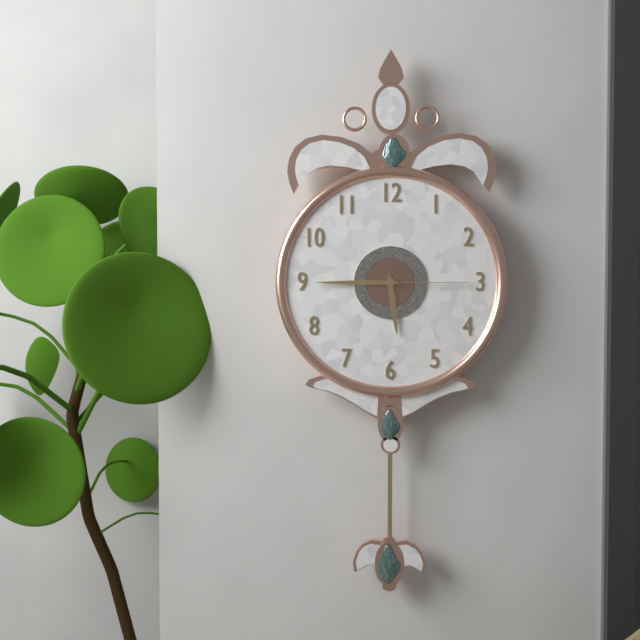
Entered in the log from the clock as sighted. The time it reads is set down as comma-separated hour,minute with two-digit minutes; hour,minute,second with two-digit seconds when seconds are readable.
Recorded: 5,45,15
